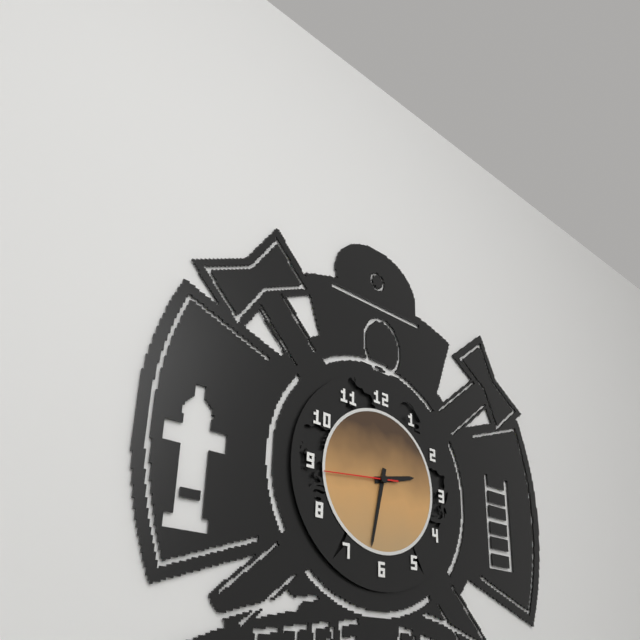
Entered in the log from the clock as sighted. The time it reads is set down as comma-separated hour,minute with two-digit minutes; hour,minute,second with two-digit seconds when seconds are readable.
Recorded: 2,32,44
